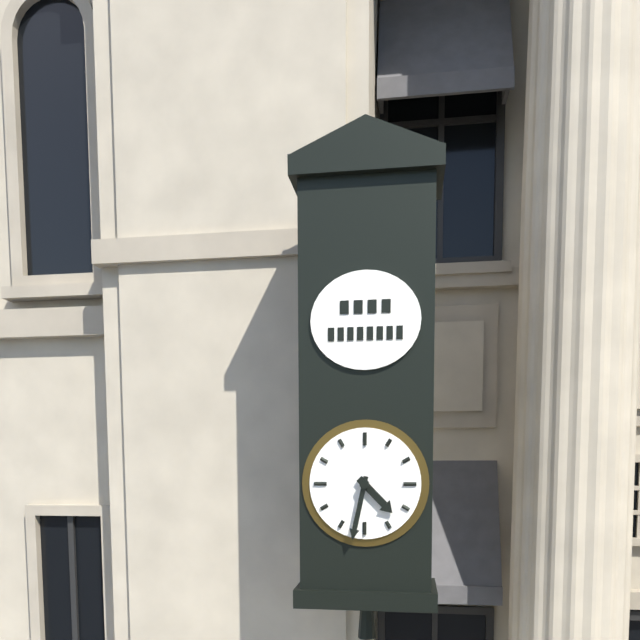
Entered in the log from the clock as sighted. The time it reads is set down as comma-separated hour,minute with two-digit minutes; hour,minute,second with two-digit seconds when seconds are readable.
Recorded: 4,32
